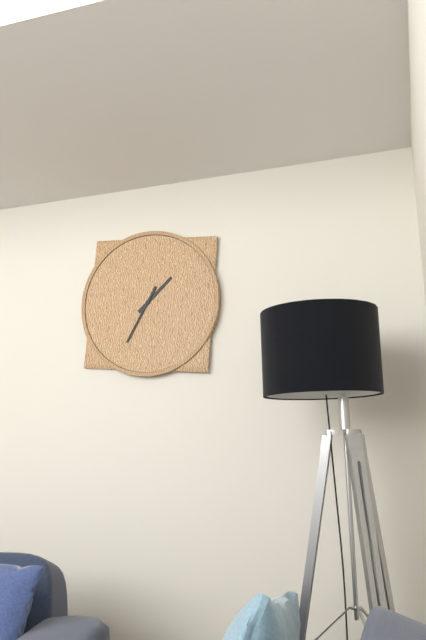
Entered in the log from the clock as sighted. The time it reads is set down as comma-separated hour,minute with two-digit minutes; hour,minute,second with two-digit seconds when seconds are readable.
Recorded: 1,35
